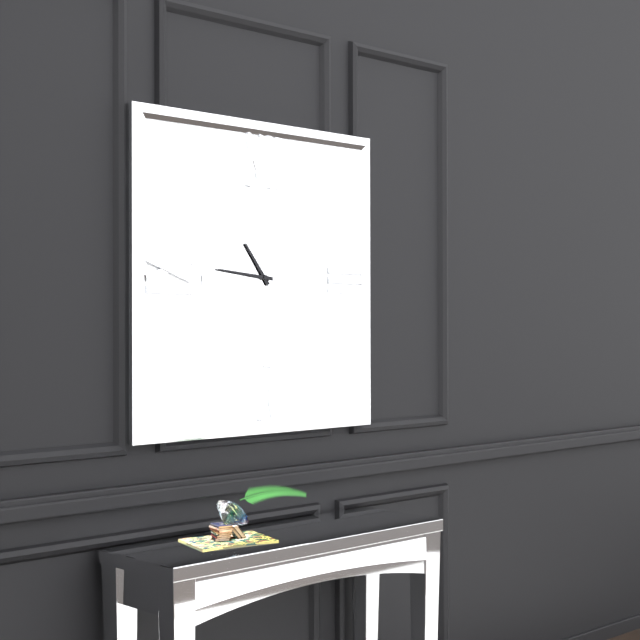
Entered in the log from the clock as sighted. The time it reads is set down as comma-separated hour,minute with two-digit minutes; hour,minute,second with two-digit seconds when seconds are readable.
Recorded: 10,46
